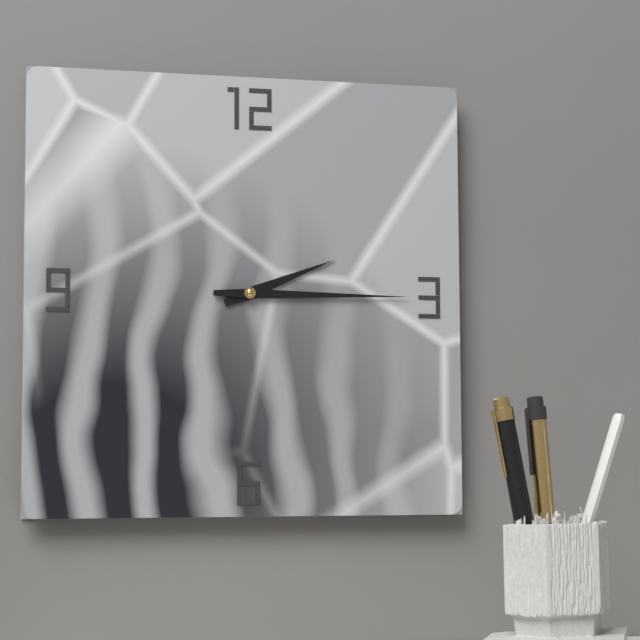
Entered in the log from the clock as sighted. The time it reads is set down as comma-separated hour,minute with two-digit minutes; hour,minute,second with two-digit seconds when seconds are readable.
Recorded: 2,15
